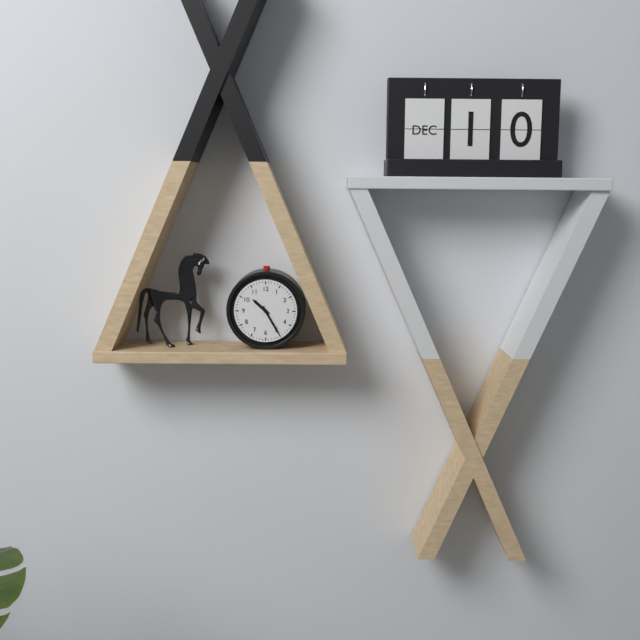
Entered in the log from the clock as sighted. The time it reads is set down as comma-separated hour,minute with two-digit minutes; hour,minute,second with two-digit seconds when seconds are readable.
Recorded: 10,25
